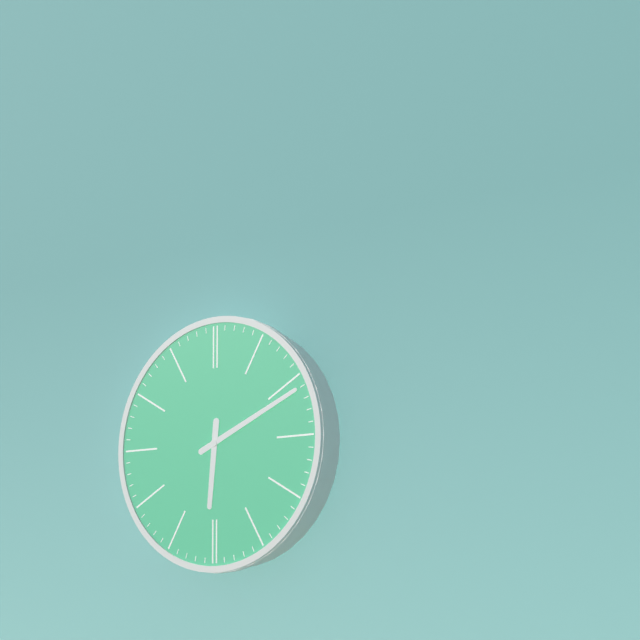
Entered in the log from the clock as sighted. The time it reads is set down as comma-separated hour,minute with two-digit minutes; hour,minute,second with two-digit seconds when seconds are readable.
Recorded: 6,11
